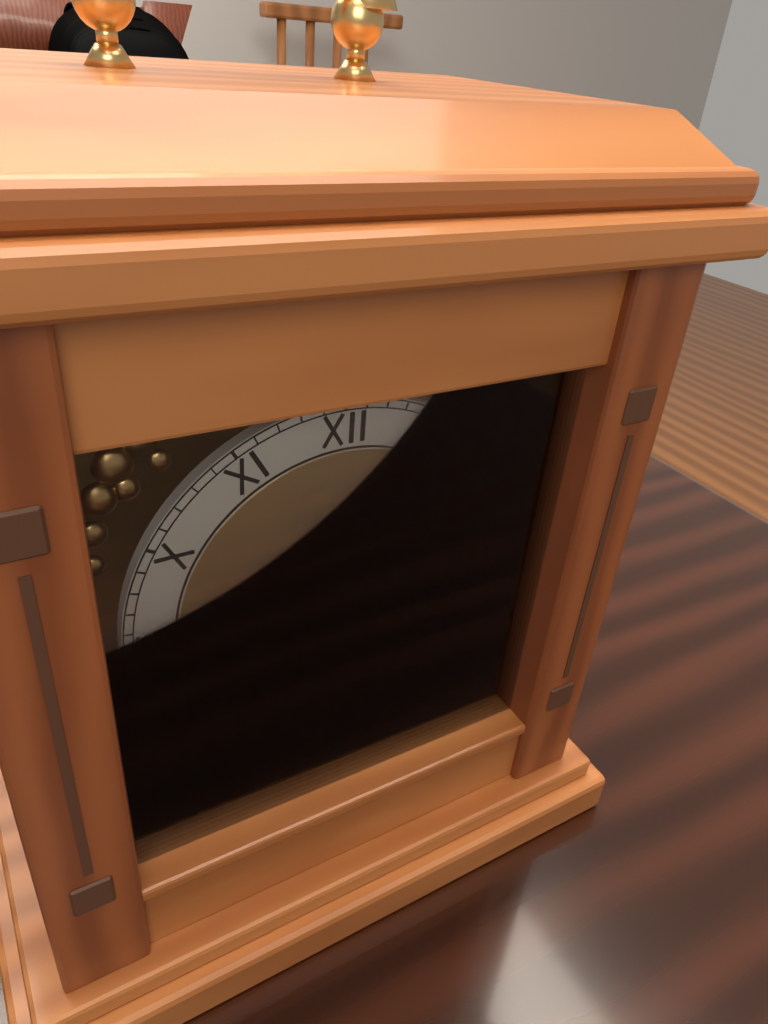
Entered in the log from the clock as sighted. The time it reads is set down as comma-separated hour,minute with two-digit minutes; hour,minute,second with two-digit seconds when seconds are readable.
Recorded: 5,37
